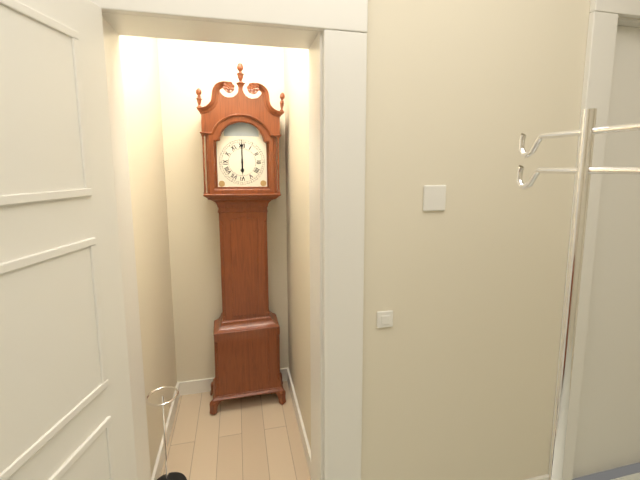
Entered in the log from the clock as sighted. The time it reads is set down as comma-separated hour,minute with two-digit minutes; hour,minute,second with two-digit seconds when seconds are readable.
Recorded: 6,00
